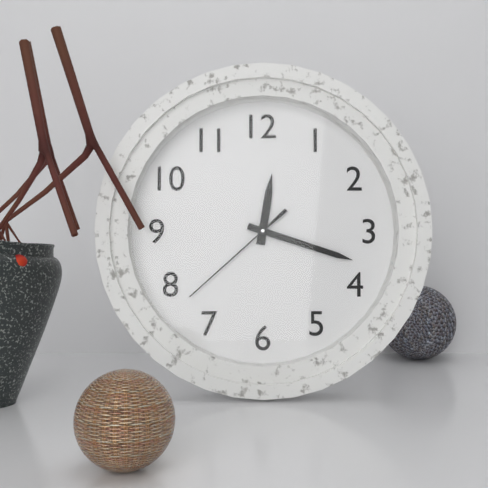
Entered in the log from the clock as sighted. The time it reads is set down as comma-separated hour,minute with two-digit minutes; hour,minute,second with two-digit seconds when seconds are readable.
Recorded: 12,18,38
